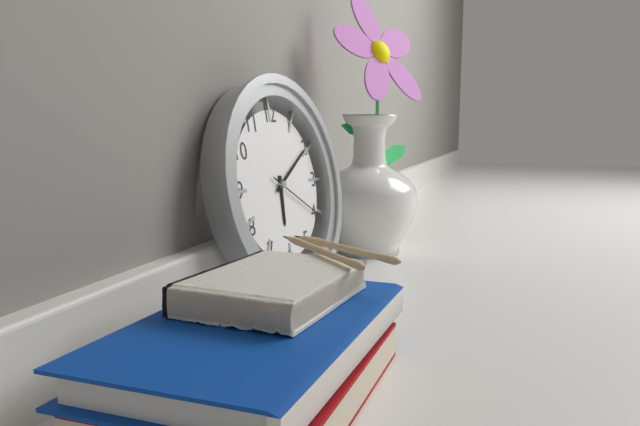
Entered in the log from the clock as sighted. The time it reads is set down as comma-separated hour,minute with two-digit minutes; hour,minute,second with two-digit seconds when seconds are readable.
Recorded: 6,10,20
